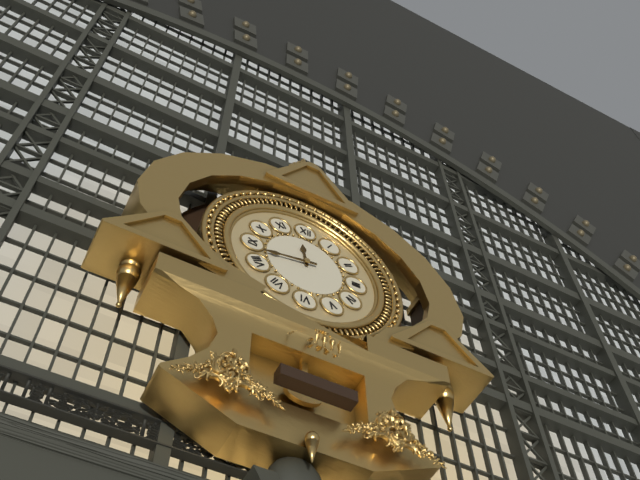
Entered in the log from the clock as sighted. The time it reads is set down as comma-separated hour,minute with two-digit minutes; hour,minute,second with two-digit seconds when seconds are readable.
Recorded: 11,43
